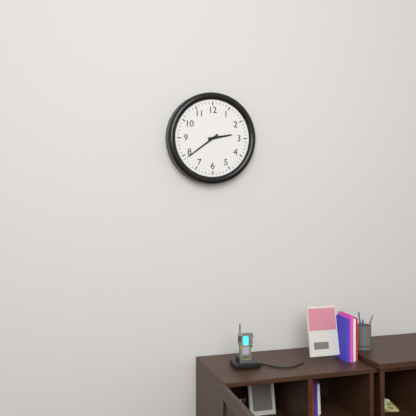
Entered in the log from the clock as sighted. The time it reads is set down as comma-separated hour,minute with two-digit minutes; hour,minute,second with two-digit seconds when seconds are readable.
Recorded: 2,39
